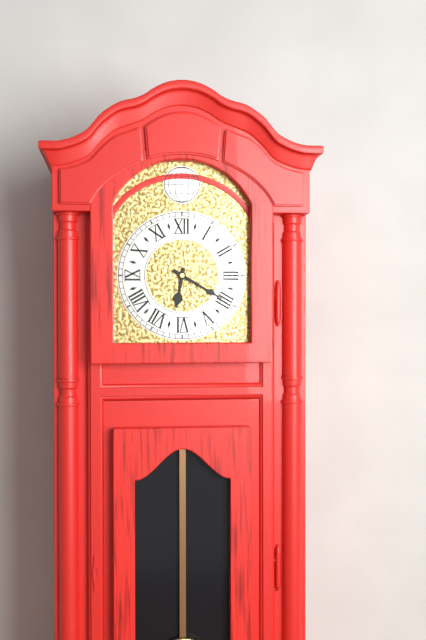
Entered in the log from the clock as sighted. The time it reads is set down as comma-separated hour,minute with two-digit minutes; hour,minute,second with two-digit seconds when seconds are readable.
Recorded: 6,20
